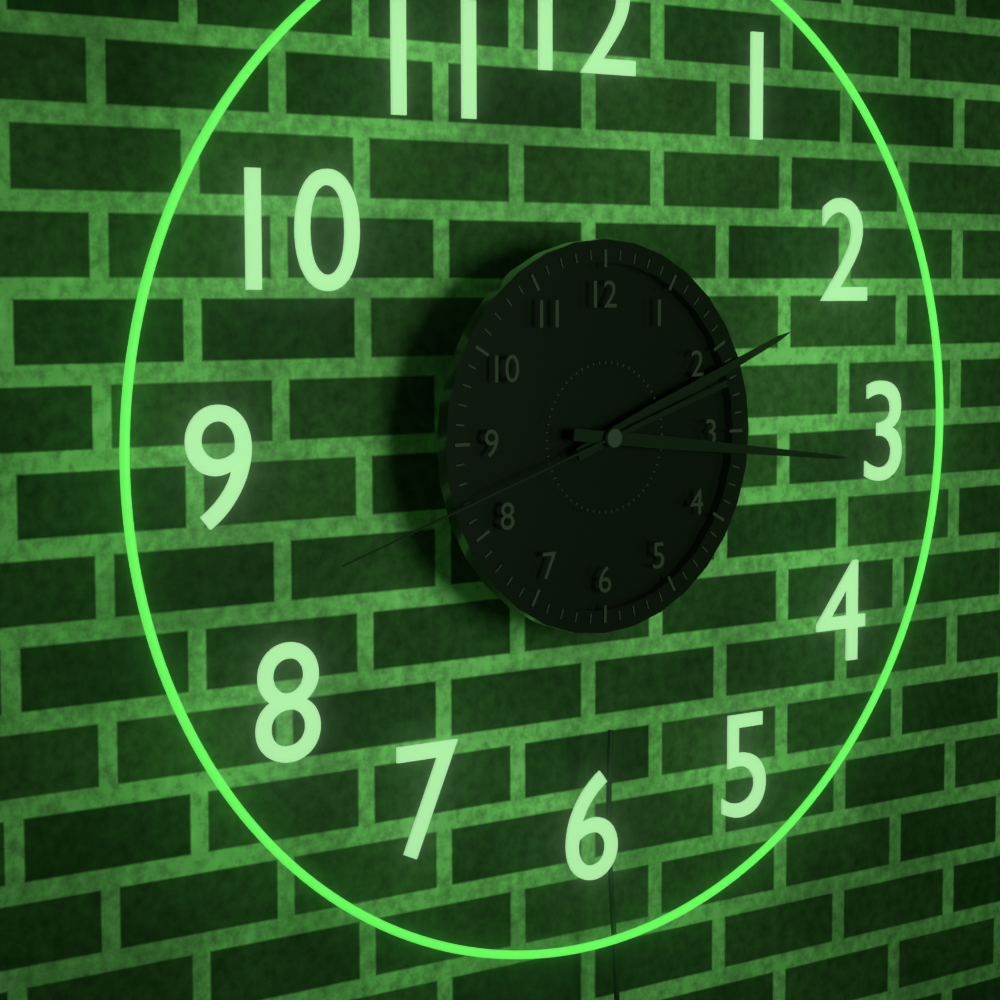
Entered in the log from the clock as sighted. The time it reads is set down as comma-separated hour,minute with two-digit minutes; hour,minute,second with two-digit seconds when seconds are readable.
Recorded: 2,16,42
